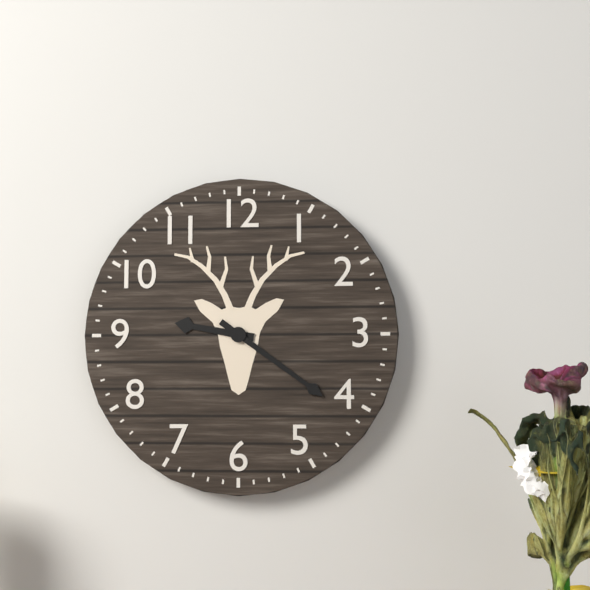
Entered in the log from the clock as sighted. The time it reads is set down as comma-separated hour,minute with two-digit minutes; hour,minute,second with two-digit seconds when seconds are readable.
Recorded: 9,21
